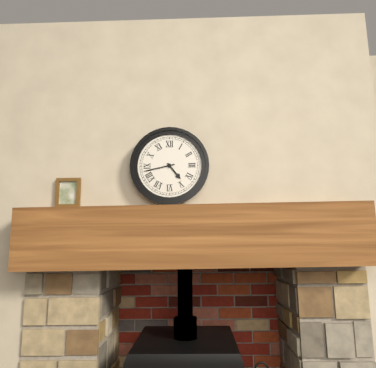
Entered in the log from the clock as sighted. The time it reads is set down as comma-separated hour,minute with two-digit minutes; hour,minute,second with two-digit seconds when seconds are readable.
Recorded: 4,43
